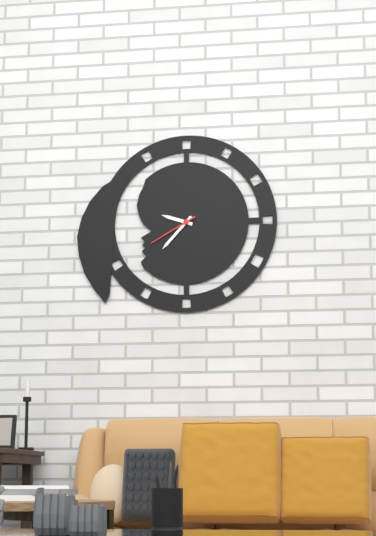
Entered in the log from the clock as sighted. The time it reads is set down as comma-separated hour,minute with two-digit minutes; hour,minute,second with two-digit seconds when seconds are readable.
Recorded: 9,37,40
